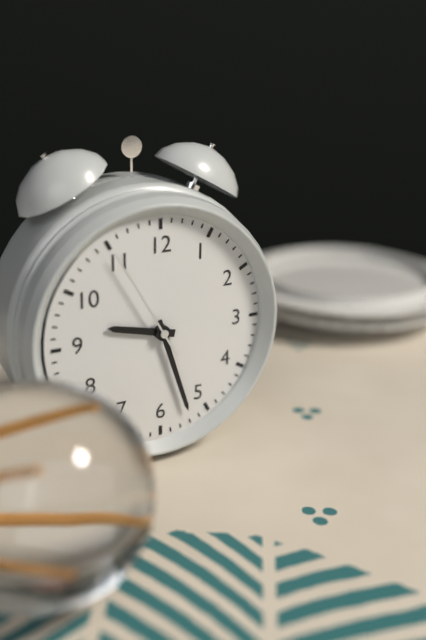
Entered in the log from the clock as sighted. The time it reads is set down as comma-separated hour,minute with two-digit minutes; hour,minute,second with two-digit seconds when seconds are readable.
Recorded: 9,27,55
